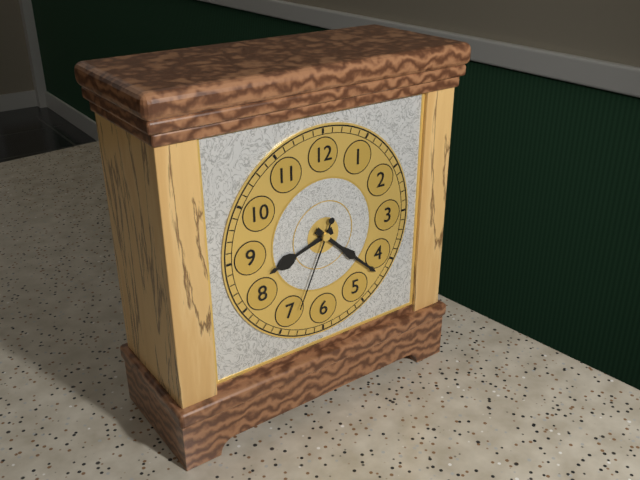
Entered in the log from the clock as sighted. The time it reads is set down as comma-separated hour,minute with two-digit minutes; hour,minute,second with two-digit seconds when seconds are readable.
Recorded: 8,22,34
